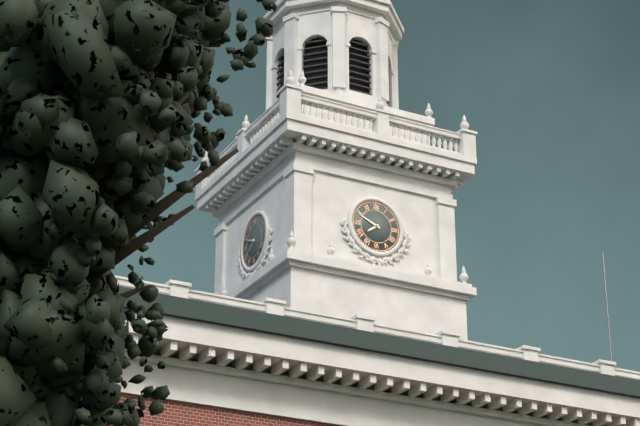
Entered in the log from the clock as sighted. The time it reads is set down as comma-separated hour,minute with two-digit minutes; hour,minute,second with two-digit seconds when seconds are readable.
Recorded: 7,49
